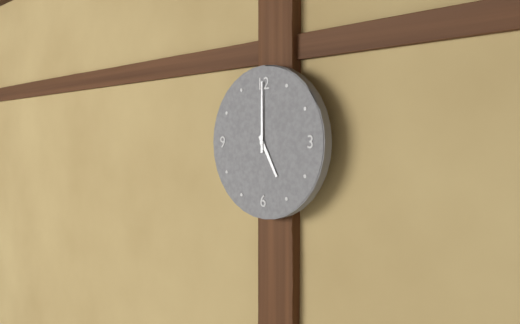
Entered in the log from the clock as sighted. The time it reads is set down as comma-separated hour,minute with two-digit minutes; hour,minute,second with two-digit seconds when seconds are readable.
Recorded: 5,00
